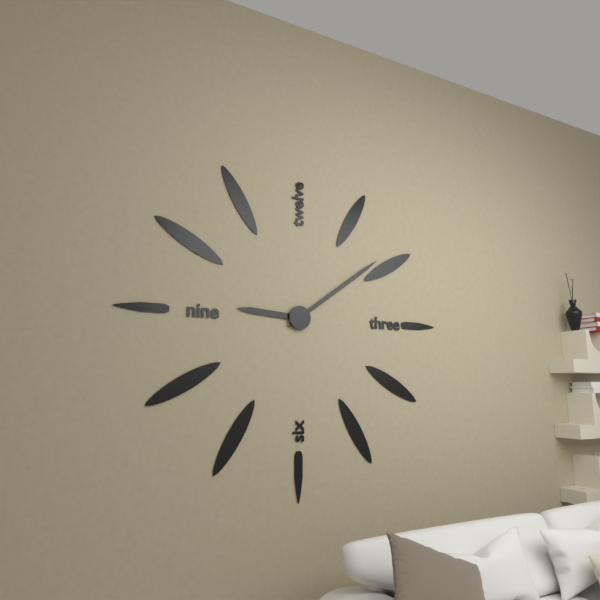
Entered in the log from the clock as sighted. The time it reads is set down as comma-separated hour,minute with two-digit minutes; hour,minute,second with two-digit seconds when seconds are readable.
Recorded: 9,09
